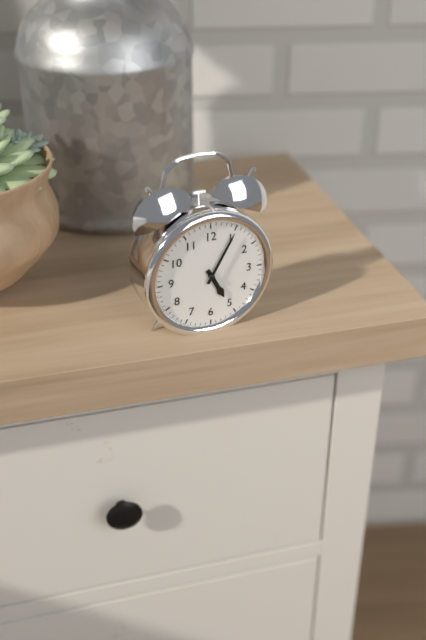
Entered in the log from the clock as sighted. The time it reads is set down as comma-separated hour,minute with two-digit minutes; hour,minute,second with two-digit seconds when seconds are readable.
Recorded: 5,05
